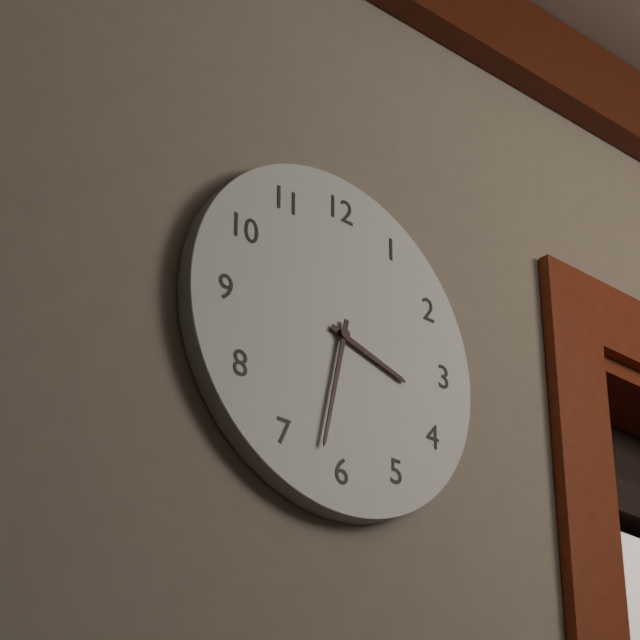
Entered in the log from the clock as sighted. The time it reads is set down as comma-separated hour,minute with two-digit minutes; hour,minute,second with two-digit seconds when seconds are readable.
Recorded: 3,32
